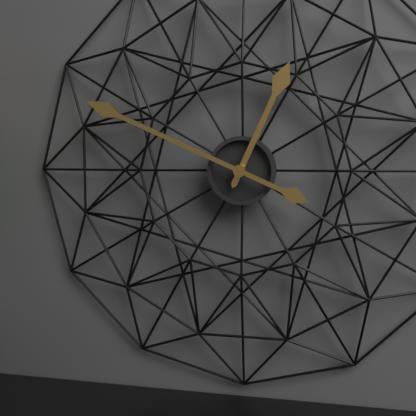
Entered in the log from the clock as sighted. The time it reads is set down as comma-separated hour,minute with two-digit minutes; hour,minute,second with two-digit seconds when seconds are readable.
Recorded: 12,49
